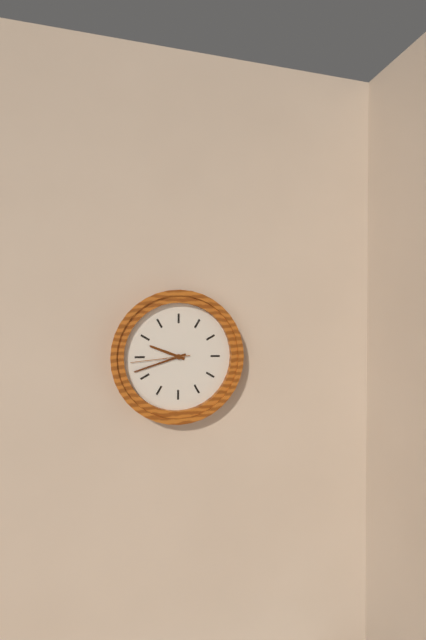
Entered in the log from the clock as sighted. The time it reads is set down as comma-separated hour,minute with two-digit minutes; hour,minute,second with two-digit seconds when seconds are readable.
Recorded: 9,42,44
